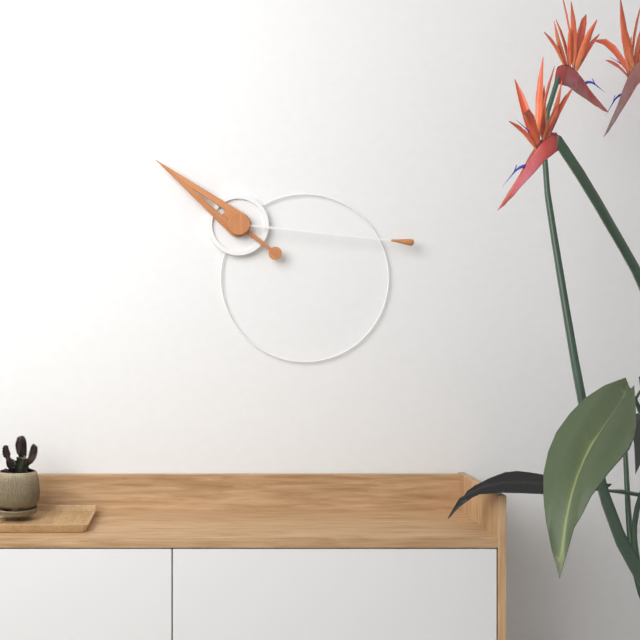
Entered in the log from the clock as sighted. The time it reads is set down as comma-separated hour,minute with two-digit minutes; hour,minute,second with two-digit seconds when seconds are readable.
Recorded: 10,16
